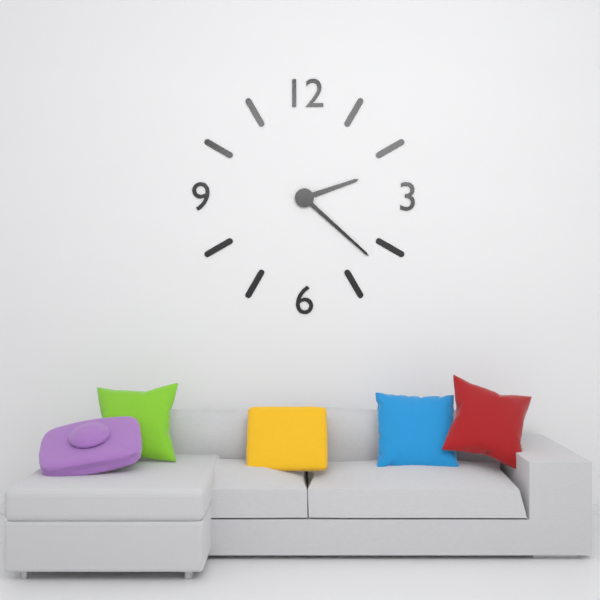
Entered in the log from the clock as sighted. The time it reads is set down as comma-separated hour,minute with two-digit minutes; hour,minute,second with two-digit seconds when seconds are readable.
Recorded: 2,22
